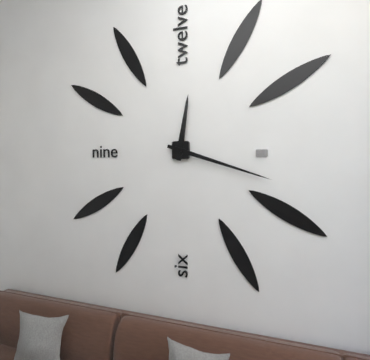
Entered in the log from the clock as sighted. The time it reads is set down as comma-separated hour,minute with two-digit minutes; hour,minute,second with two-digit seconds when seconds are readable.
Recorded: 12,18
